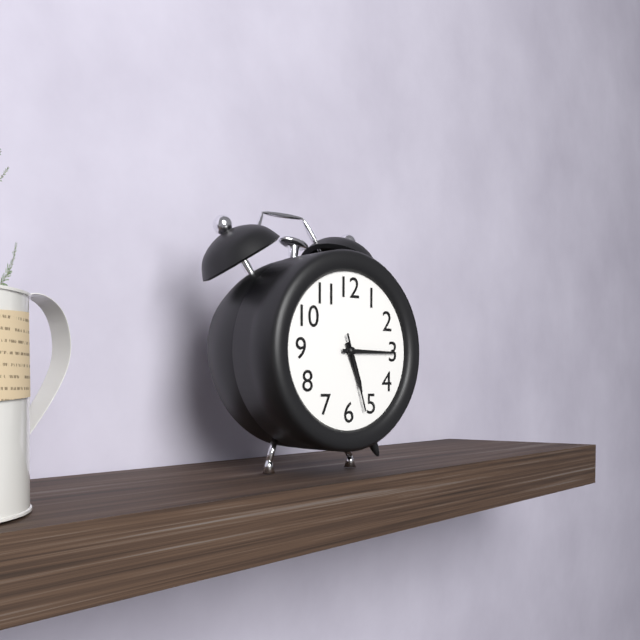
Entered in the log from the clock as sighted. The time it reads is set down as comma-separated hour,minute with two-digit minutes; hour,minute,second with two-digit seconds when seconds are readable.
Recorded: 5,15,27
